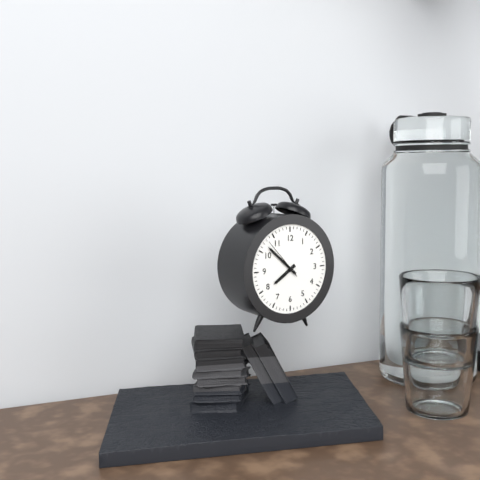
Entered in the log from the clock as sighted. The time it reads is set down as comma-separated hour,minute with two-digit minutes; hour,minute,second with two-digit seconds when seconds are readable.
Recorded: 7,52
